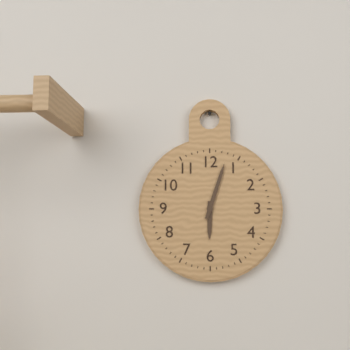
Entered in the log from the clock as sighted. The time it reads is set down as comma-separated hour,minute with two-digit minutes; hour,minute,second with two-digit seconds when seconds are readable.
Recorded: 6,03
